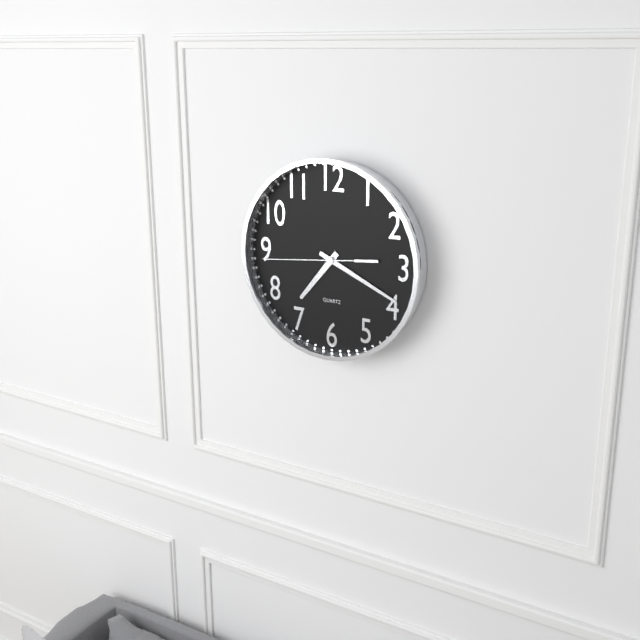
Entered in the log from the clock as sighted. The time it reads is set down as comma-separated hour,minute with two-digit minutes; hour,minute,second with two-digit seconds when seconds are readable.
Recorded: 7,19,44
